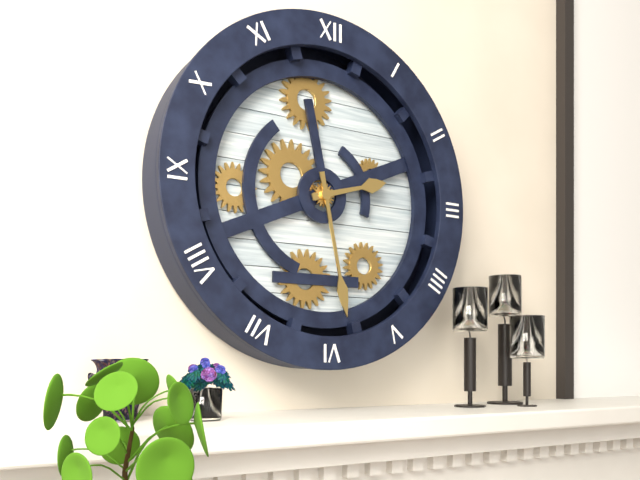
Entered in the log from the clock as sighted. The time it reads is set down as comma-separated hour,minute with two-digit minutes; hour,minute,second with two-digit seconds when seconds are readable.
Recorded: 2,28
